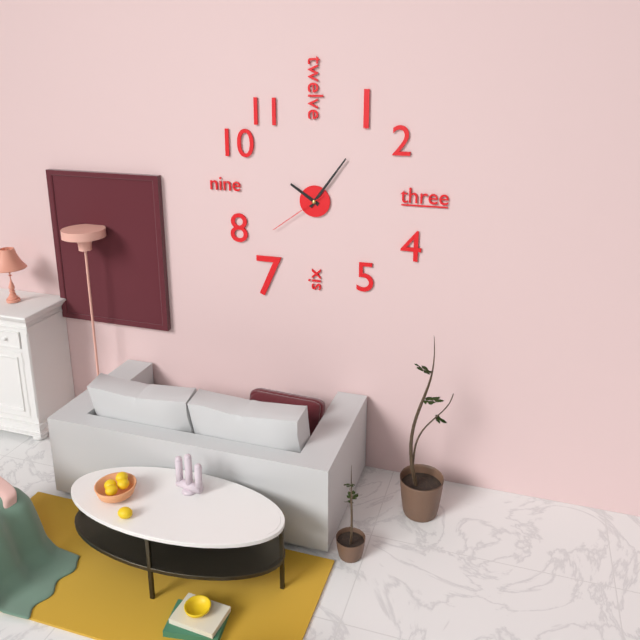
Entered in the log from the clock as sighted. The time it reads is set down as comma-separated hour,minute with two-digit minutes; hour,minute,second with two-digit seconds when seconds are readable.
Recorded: 10,06,39
